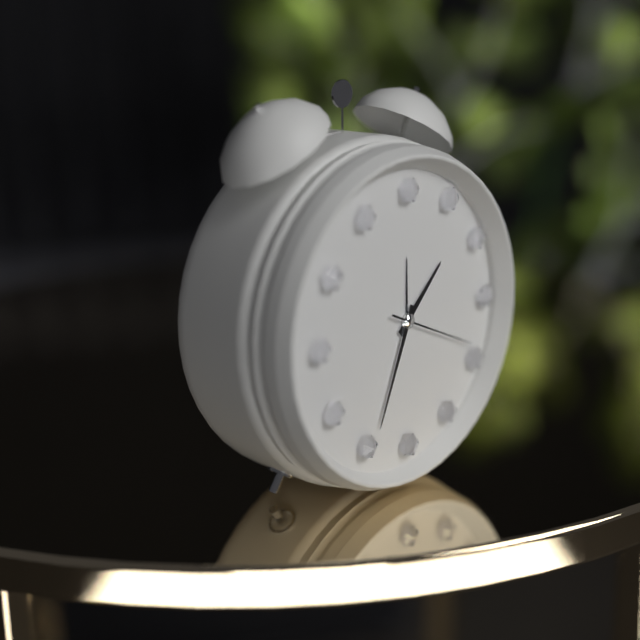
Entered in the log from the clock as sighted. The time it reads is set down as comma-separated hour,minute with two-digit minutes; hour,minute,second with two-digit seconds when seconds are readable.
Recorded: 1,34,19
